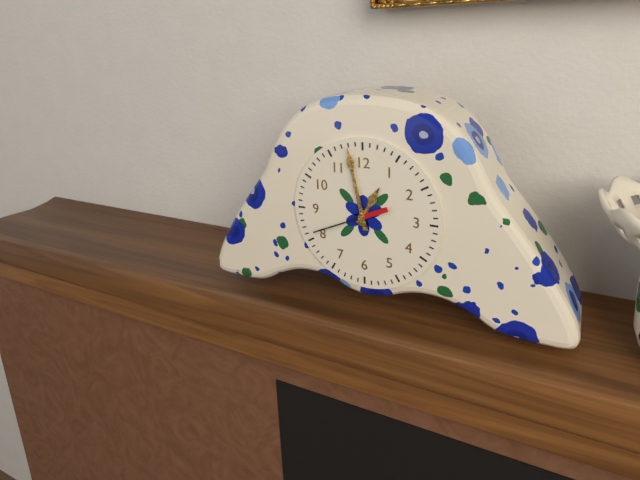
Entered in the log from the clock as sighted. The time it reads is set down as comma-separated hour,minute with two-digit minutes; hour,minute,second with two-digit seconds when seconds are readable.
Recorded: 12,58,41
